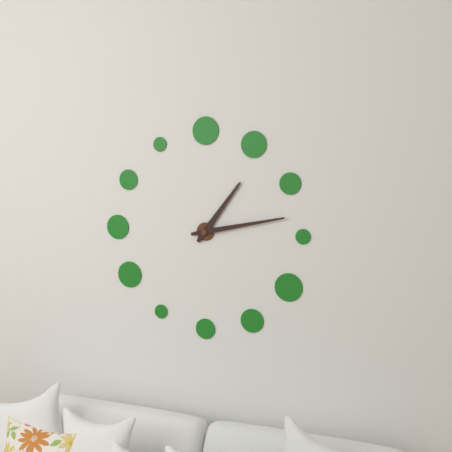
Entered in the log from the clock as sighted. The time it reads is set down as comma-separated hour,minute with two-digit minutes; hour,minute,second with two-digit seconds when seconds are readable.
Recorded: 1,13
